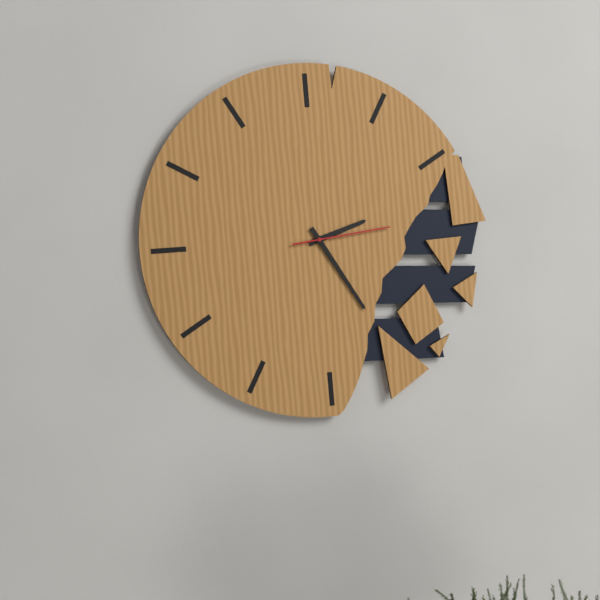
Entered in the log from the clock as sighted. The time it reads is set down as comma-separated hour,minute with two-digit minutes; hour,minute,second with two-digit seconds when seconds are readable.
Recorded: 2,25,14
